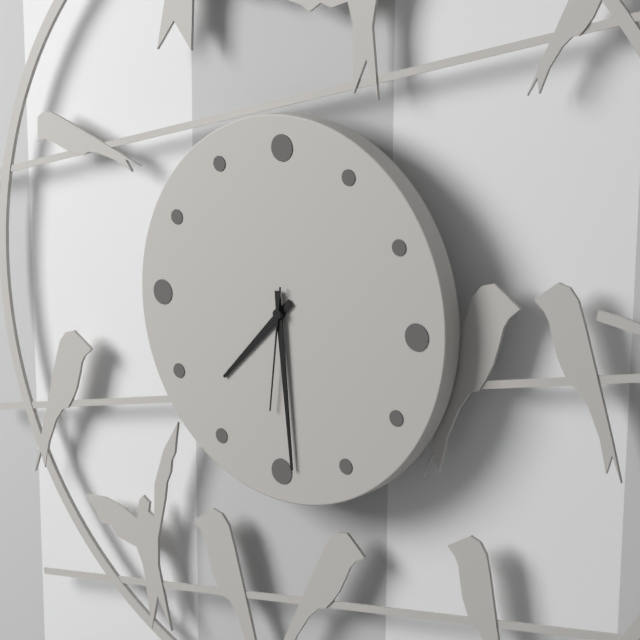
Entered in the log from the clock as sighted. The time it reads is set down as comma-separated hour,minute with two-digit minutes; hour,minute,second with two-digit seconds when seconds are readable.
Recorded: 7,29,31
